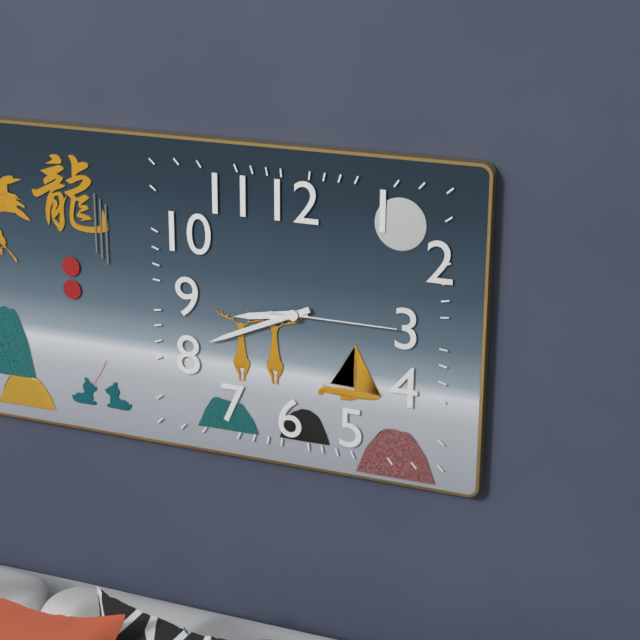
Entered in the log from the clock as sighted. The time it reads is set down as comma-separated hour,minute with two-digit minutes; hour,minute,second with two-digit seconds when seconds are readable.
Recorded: 8,41,15
